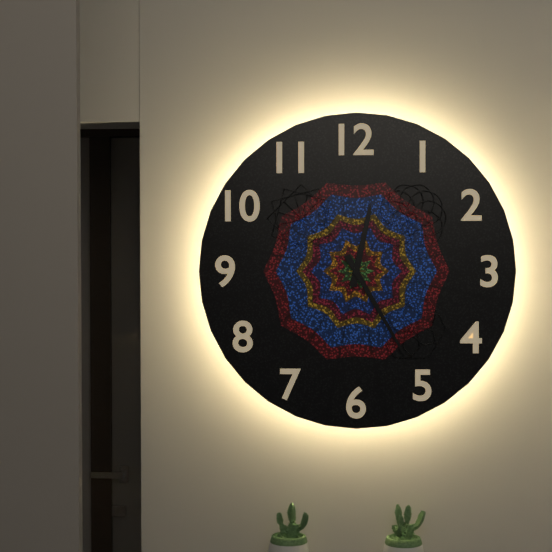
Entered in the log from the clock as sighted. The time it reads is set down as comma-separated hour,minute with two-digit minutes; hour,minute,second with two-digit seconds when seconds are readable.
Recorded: 12,25
